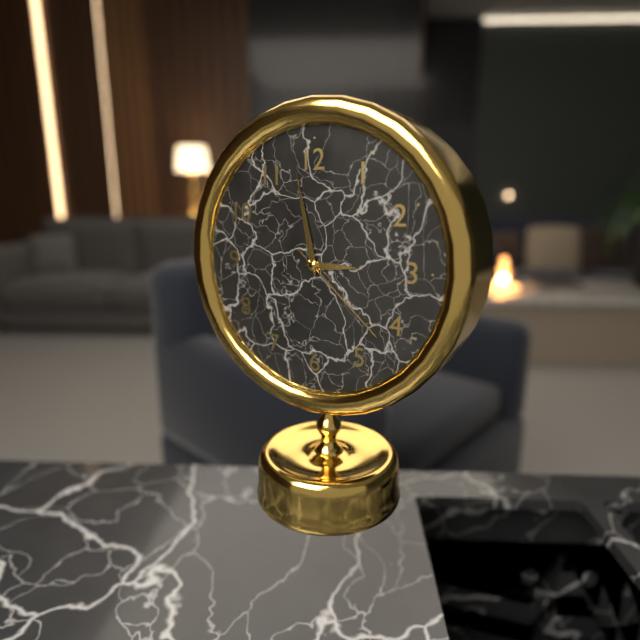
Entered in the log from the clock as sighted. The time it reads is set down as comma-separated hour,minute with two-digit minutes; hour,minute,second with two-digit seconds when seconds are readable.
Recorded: 2,58,22
